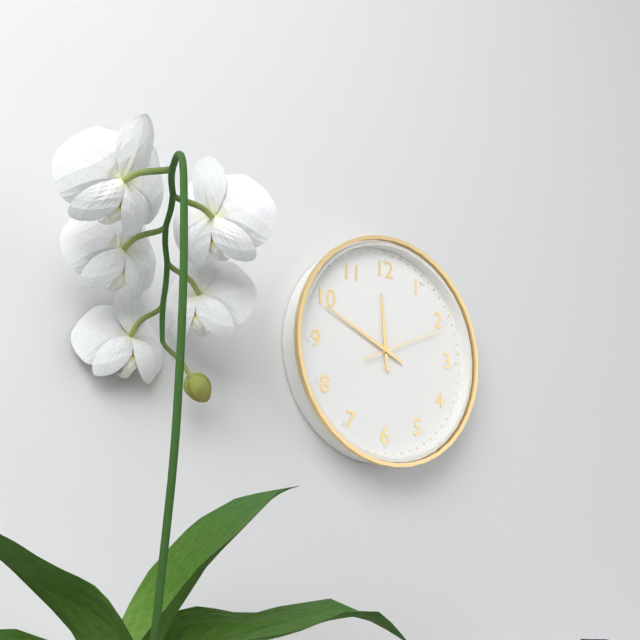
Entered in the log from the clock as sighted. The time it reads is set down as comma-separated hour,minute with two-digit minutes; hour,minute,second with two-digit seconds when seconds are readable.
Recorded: 11,49,11
